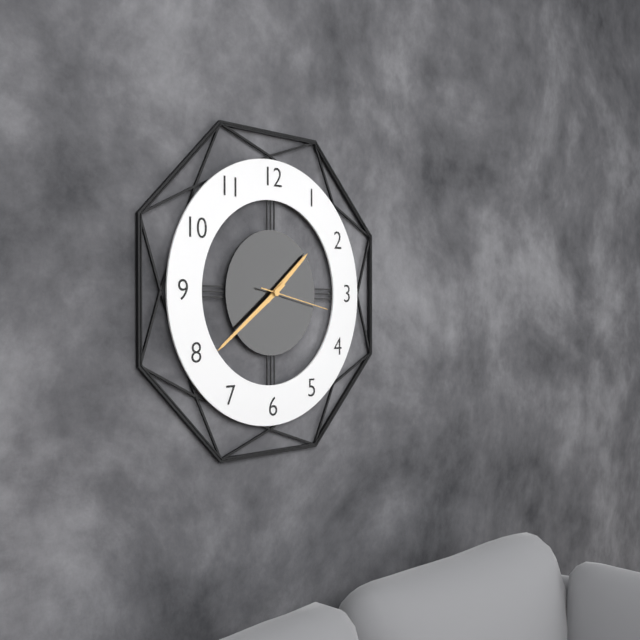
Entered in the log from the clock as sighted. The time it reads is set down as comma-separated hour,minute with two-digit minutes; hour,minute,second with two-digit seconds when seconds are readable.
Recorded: 1,39,17
